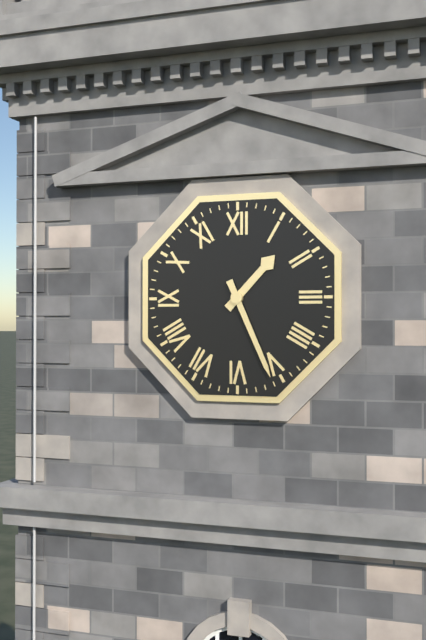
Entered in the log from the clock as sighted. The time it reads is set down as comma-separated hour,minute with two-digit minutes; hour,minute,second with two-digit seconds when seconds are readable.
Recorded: 1,26
